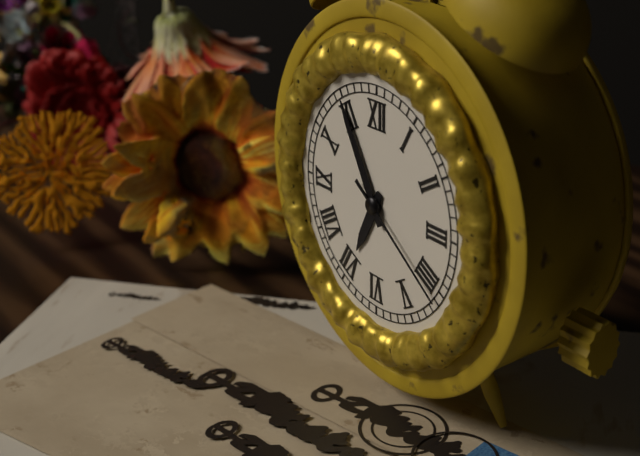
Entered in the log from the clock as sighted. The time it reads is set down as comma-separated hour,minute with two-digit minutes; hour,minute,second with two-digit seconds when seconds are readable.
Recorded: 6,55,21
